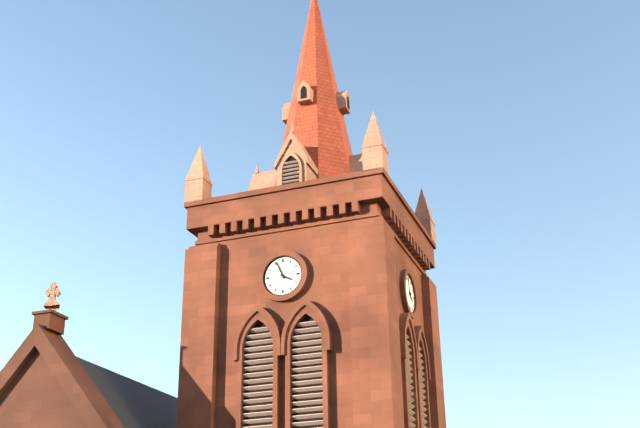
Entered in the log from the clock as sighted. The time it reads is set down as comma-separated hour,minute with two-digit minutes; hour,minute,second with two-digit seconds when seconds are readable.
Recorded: 3,56
